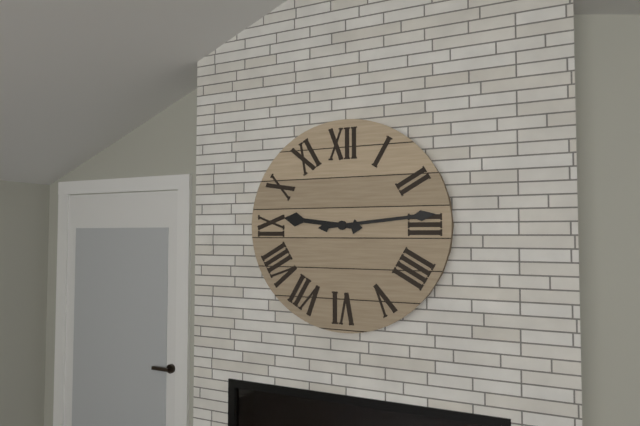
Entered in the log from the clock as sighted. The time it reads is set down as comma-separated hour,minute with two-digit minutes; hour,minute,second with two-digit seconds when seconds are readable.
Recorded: 9,14
